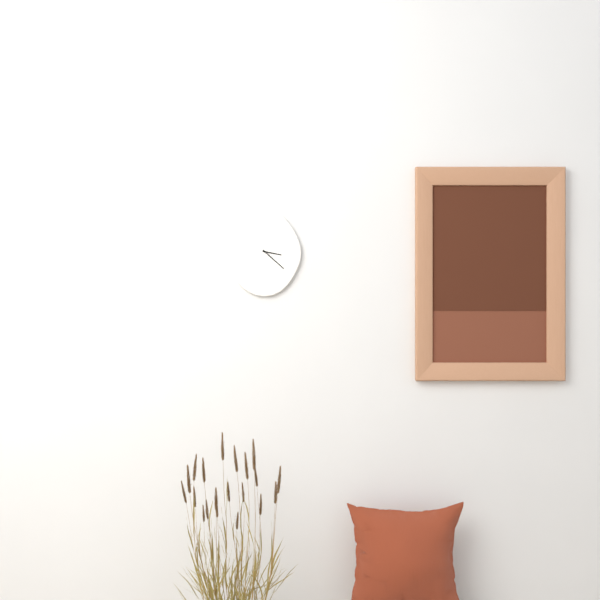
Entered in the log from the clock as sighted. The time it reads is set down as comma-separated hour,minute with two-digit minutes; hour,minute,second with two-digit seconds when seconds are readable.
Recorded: 3,22
